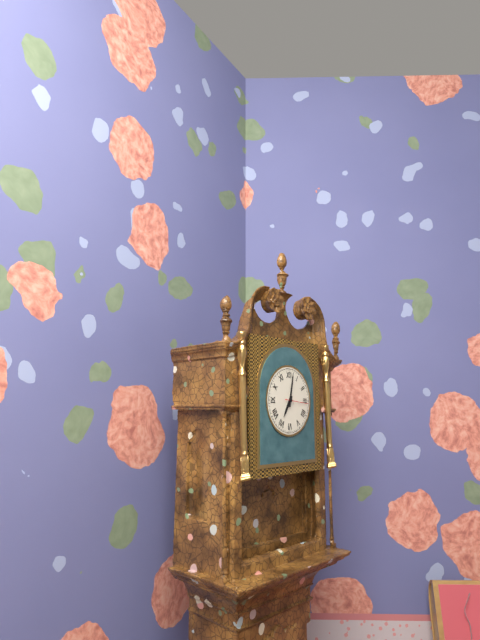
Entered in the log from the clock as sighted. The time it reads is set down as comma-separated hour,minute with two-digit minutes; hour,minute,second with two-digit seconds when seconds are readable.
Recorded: 7,02
